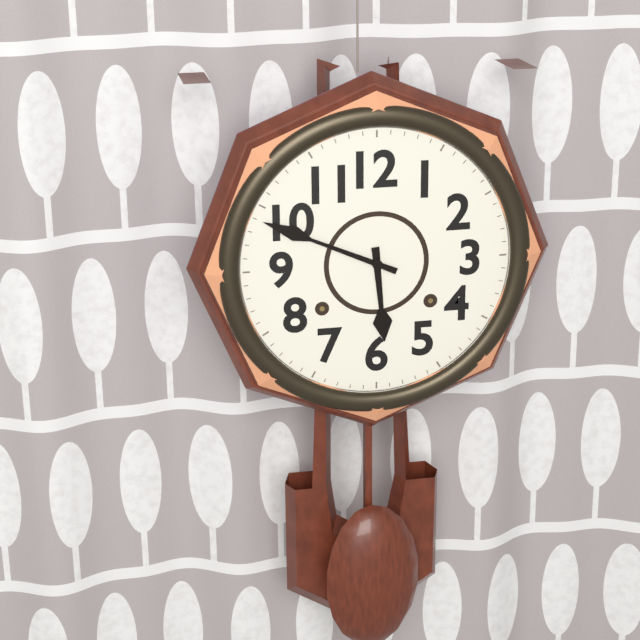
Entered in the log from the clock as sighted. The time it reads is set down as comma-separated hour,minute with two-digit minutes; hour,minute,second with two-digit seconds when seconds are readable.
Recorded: 5,49
